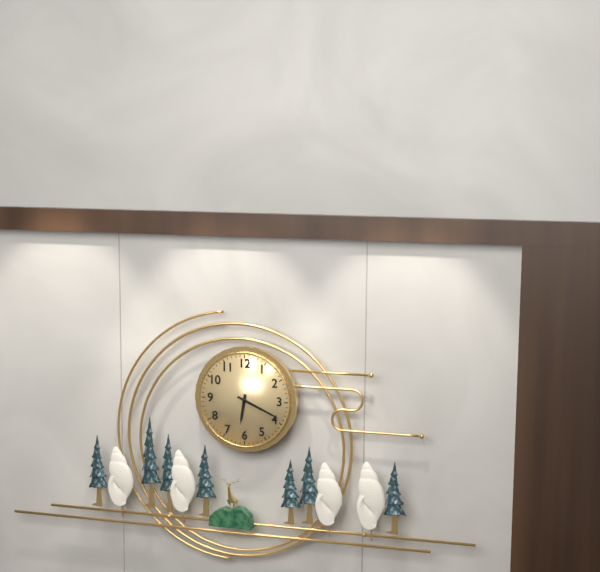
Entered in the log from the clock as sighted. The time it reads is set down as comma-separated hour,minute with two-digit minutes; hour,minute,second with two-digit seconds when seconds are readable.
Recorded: 6,19
